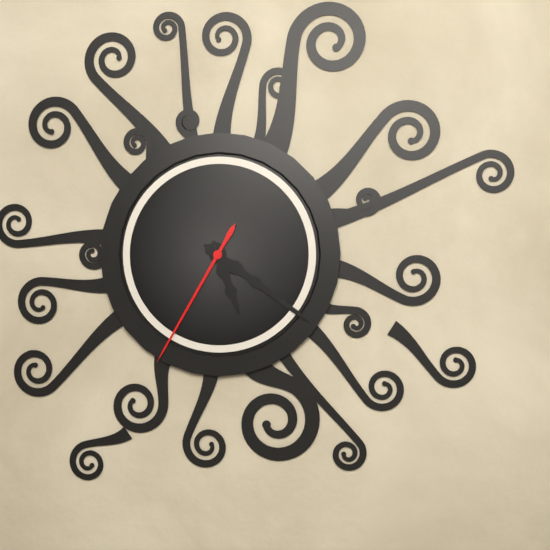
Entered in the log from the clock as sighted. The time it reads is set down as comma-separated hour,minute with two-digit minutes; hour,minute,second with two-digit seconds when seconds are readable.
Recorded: 5,21,35
